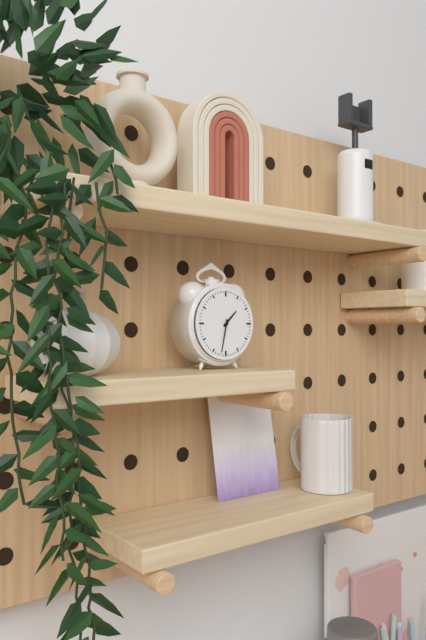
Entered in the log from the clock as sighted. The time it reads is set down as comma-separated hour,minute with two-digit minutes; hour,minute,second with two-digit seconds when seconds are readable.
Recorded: 1,32
